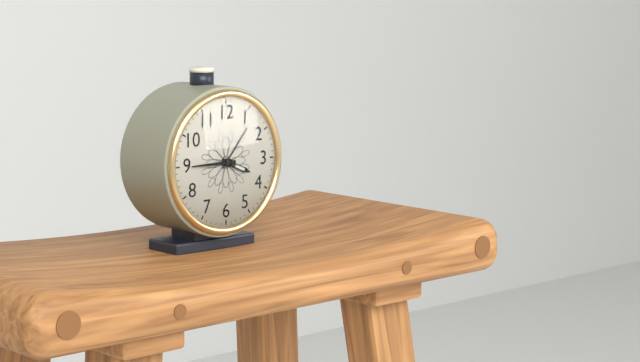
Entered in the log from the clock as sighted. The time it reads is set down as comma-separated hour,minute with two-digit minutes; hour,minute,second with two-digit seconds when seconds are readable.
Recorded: 3,45
